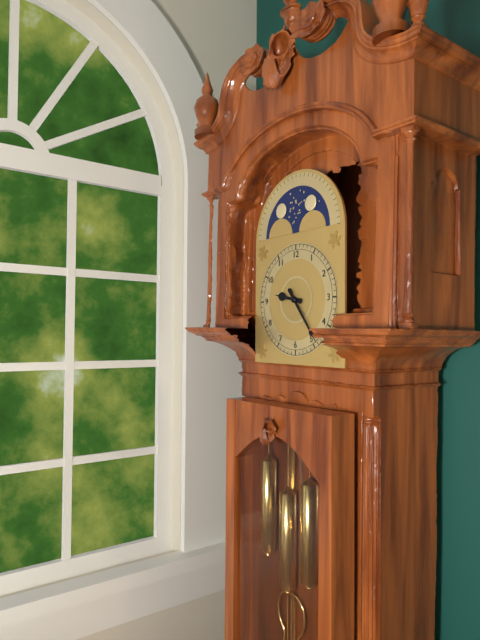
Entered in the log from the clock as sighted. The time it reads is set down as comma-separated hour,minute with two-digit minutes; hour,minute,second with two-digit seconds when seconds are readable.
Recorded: 9,24
